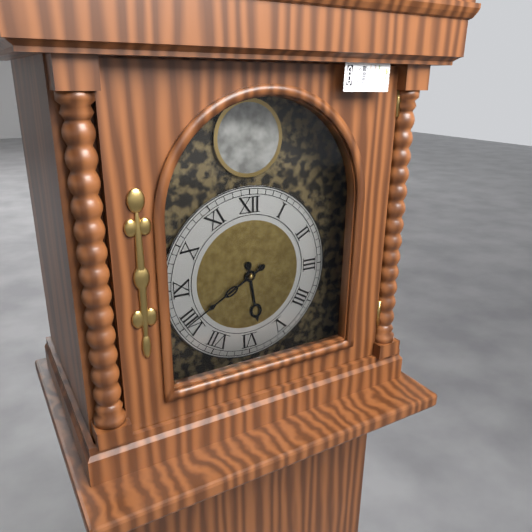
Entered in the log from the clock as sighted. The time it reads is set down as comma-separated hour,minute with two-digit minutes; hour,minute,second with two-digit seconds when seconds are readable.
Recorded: 5,40
